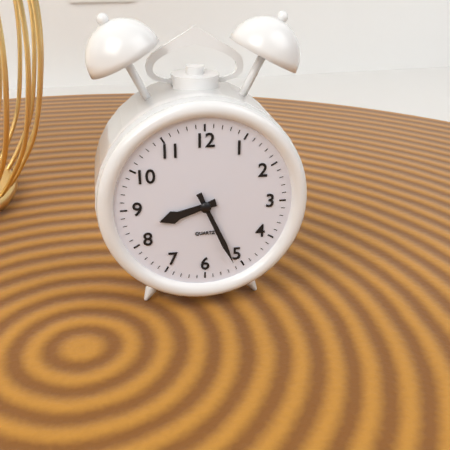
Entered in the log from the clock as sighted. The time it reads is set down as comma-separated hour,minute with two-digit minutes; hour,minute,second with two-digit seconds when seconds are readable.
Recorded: 8,26
